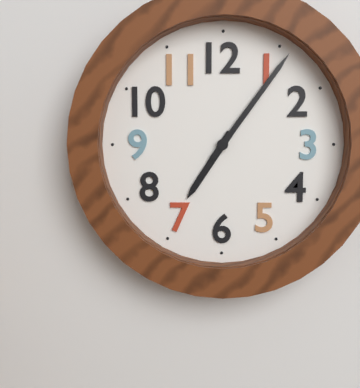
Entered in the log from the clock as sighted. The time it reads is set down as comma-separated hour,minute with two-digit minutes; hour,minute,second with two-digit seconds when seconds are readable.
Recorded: 7,06
